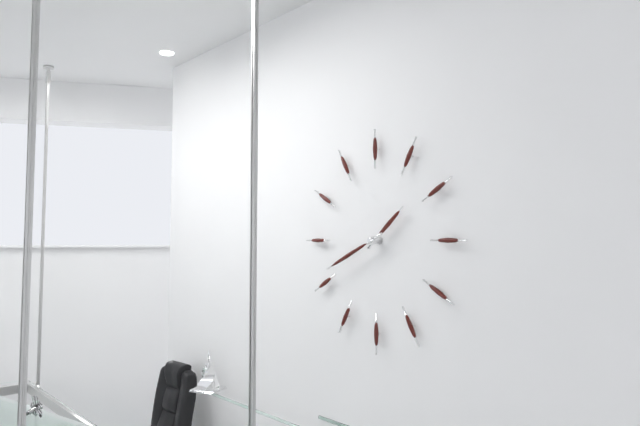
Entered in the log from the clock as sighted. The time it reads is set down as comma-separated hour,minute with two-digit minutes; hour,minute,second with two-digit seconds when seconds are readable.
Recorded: 1,41
